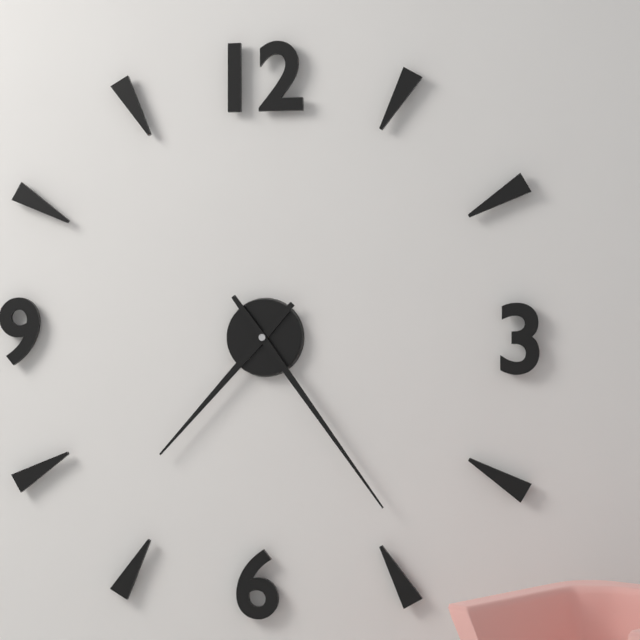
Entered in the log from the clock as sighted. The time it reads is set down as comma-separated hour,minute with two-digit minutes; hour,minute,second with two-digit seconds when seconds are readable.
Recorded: 7,24
